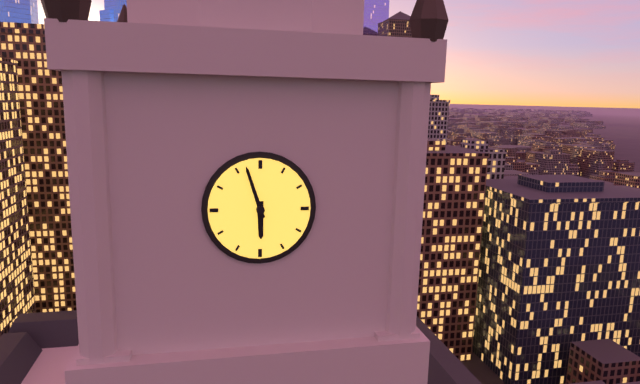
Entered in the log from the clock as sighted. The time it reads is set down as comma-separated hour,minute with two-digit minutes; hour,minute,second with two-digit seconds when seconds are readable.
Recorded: 5,57
